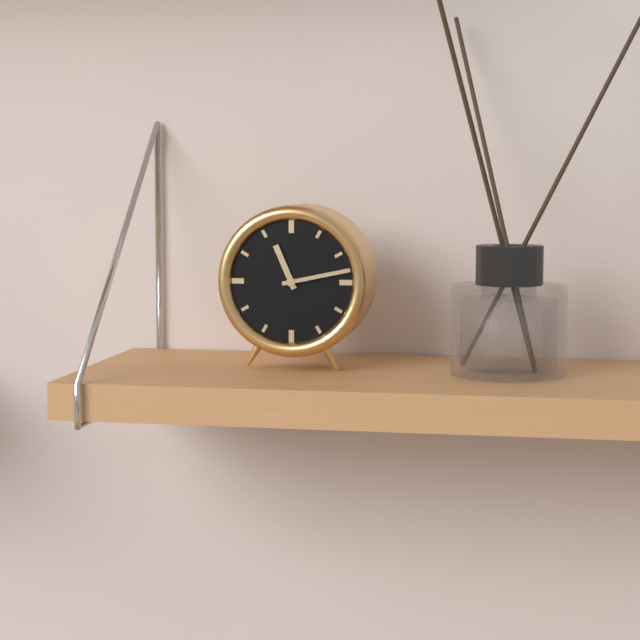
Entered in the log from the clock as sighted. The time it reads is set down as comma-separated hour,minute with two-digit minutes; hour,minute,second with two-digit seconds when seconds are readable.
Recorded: 11,13
